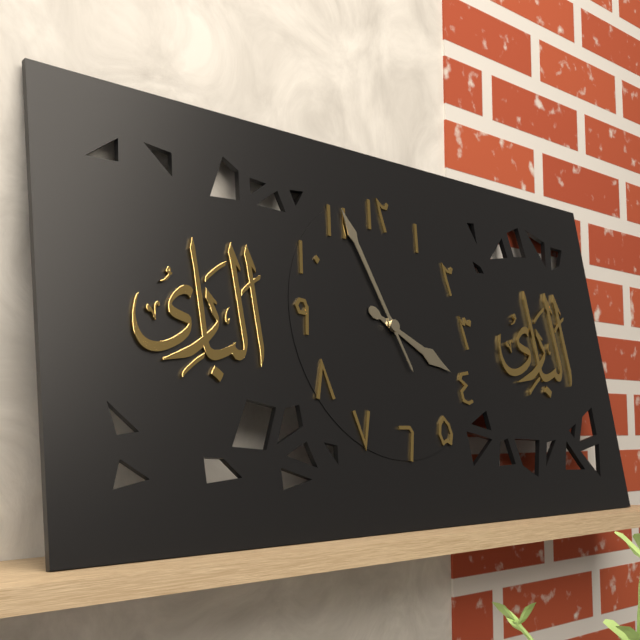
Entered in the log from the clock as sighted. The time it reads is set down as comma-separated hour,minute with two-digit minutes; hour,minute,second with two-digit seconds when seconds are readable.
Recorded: 3,56
